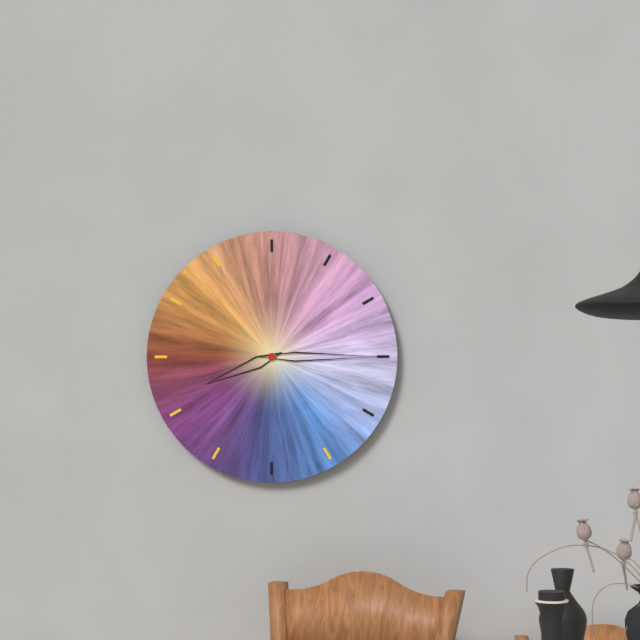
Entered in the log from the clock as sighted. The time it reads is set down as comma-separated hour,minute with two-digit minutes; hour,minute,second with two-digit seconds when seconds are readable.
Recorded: 8,15
